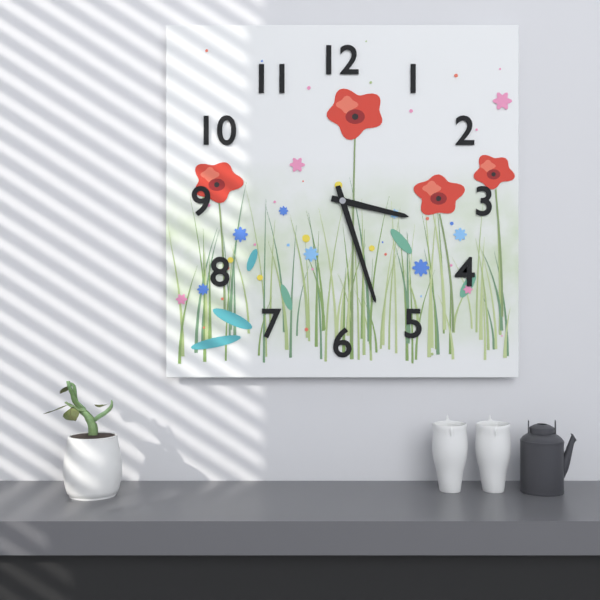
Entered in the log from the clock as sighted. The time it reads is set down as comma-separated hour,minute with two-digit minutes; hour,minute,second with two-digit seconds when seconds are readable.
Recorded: 3,27
